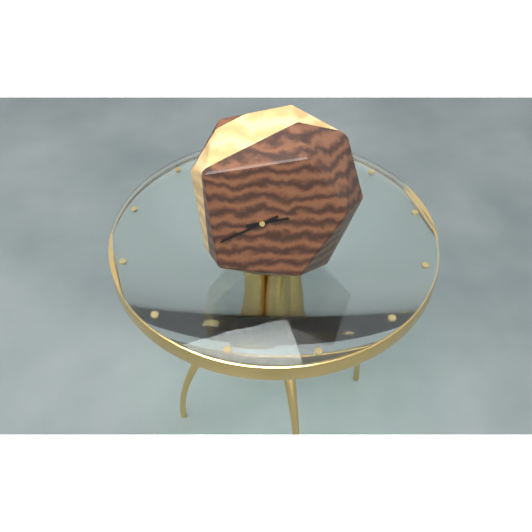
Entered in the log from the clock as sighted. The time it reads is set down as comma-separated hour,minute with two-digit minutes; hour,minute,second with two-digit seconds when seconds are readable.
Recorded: 2,41
